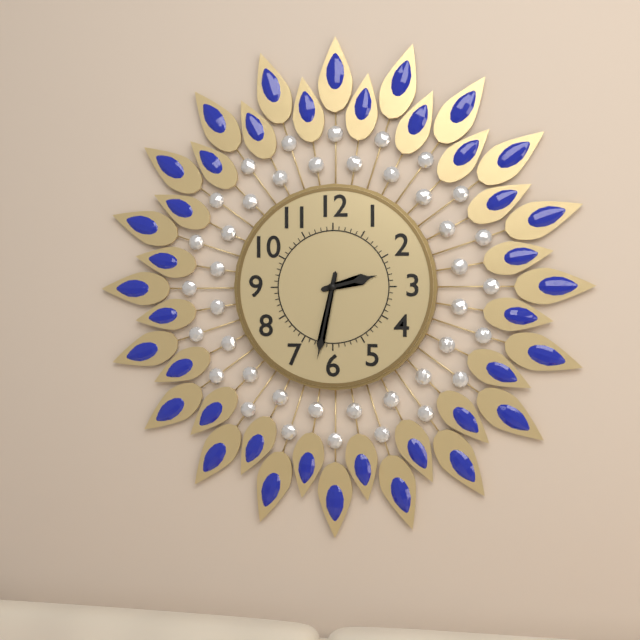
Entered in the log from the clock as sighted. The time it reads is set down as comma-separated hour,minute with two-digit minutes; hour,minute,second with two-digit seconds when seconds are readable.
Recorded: 2,32
